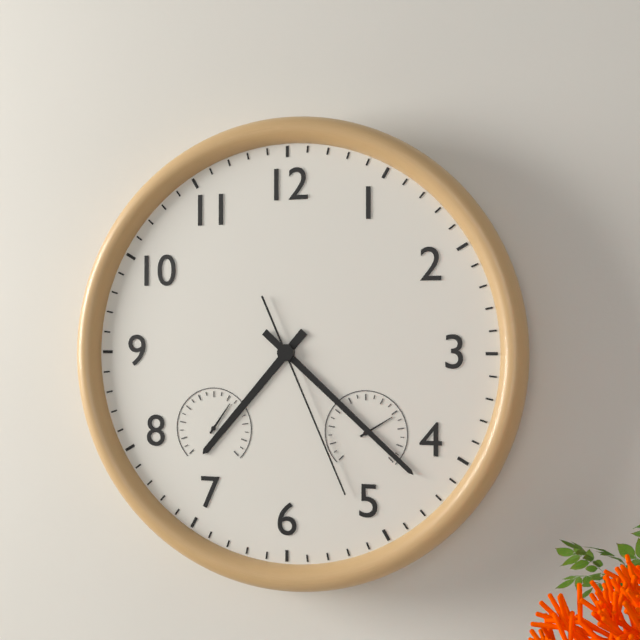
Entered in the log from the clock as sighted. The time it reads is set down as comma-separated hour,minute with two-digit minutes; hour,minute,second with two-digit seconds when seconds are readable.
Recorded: 7,22,26
